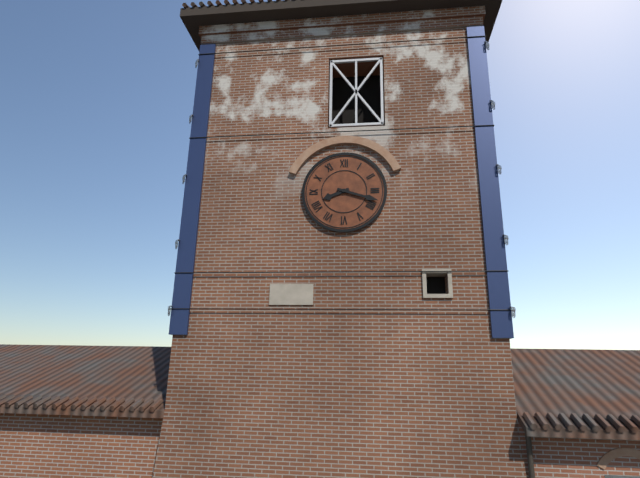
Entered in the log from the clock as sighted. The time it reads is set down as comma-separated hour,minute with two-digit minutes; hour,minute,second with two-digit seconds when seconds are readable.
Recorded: 8,18
